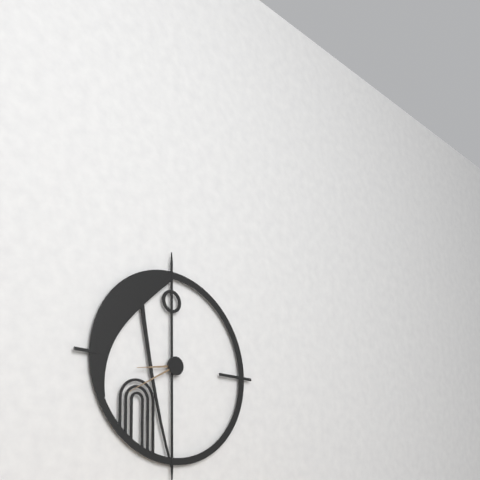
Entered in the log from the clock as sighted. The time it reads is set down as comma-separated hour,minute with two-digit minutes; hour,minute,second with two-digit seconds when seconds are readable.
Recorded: 8,40
